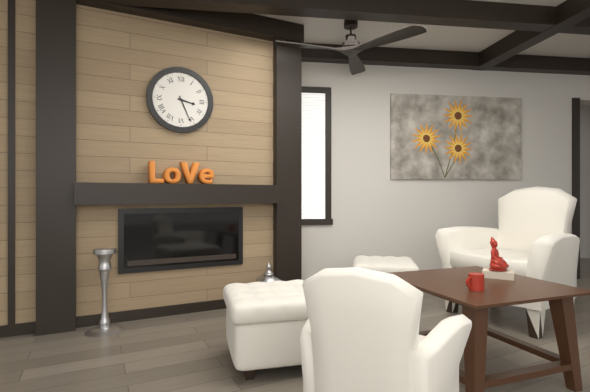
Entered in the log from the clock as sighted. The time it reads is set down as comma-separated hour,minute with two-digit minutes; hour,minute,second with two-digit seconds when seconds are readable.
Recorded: 3,26
